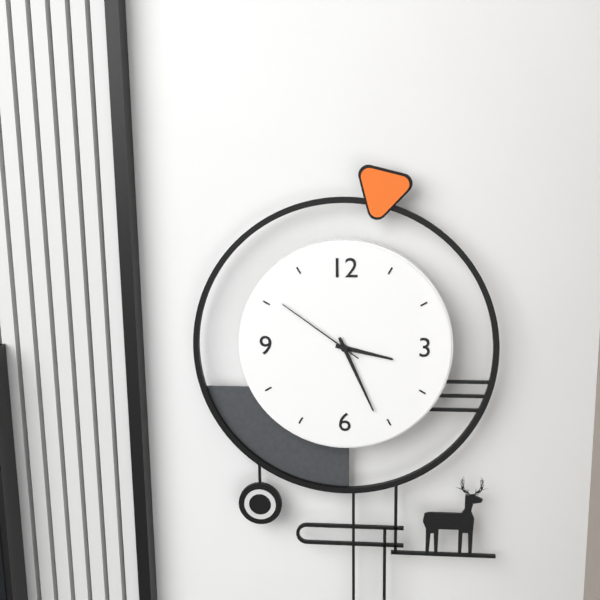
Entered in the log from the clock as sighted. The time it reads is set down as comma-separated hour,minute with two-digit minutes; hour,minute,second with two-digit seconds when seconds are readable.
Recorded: 3,26,51
